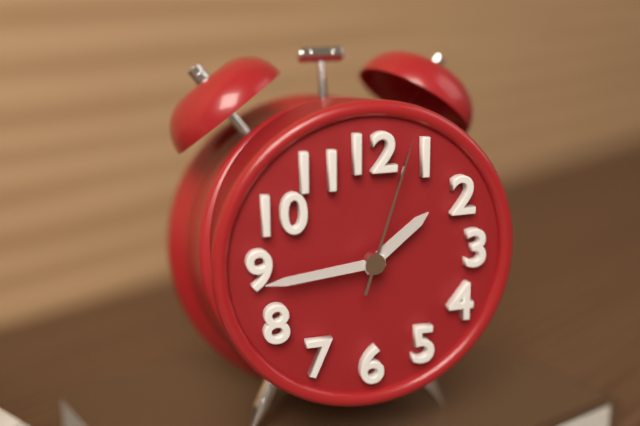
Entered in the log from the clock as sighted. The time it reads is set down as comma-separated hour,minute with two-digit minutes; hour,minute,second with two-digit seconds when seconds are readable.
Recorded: 1,44,03
